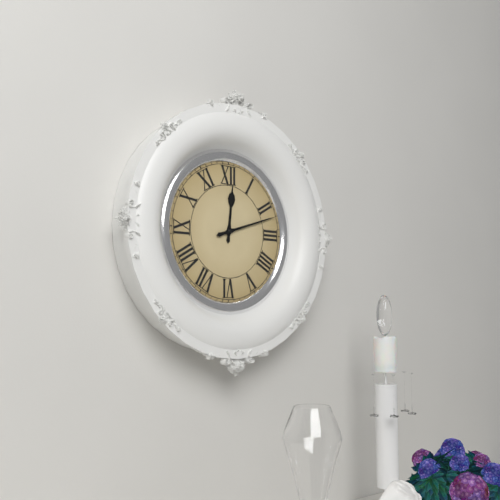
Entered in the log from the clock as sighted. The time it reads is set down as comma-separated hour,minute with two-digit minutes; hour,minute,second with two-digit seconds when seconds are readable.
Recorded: 12,12
